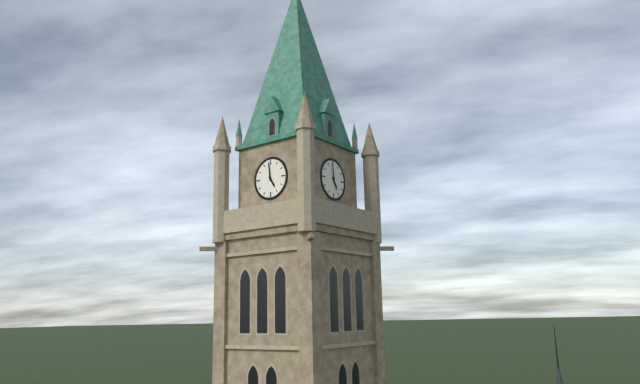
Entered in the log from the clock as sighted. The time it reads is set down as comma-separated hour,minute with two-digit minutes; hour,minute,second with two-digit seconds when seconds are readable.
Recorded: 4,59
